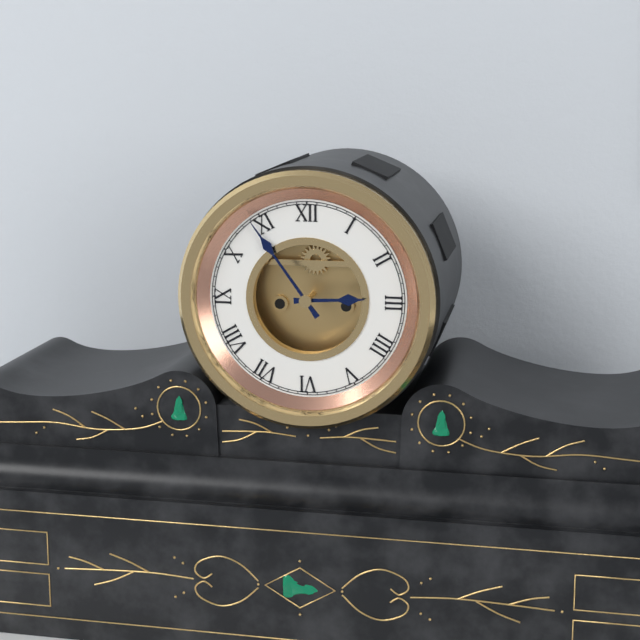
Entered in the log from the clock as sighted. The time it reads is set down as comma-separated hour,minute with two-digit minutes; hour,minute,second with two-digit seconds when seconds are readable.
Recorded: 2,54
